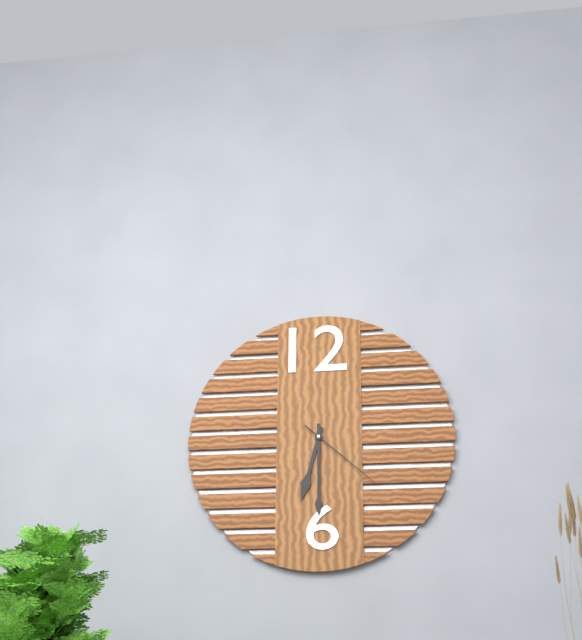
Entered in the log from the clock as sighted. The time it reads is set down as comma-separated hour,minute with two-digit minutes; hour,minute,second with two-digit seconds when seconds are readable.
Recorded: 6,30,22
